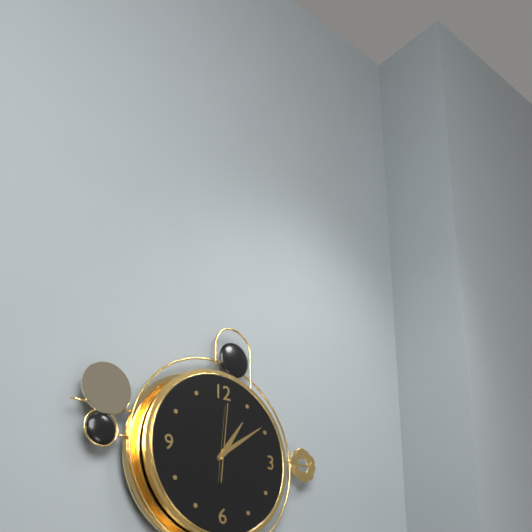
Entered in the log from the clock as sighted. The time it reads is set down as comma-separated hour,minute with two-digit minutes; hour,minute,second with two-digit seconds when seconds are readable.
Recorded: 1,09,01
